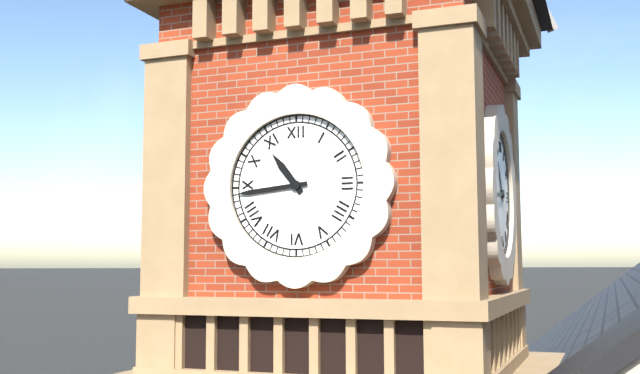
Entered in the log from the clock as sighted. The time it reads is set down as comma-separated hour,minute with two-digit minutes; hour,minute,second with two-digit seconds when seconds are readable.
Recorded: 10,44
